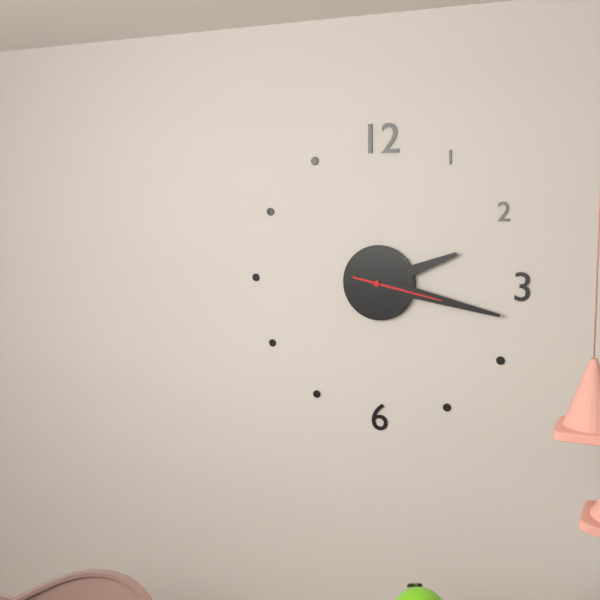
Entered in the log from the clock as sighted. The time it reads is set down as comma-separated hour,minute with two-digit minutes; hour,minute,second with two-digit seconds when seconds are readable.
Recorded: 2,17,17
